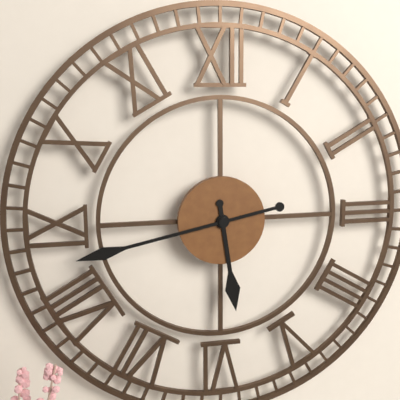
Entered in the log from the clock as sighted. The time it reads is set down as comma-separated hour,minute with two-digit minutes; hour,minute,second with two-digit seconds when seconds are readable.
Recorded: 5,43
